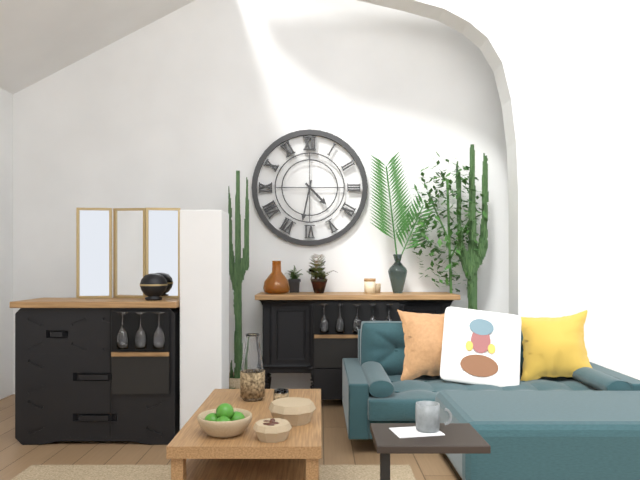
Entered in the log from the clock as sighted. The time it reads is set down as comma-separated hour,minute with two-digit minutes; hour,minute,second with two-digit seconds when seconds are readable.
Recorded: 4,32
